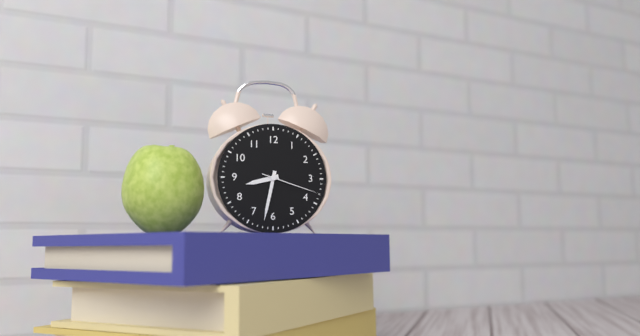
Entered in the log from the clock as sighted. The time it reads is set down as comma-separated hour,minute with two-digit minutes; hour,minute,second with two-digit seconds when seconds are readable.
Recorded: 8,32,18
